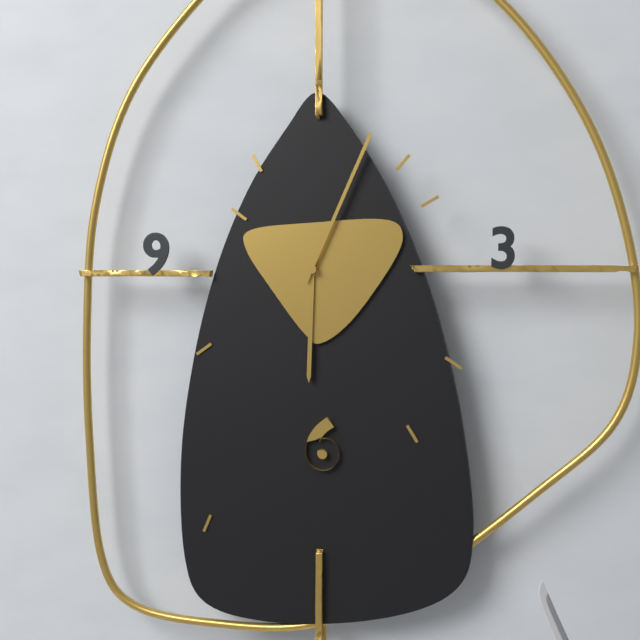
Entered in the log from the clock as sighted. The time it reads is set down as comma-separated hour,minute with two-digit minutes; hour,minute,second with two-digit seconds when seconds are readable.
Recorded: 6,04
